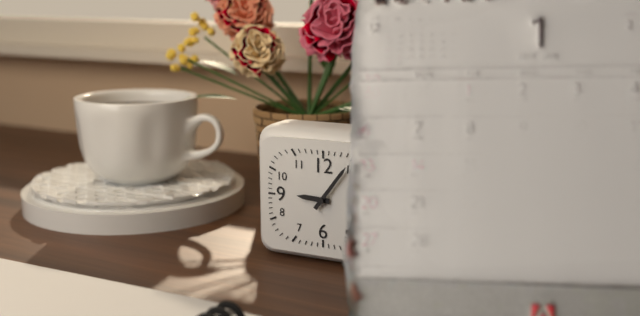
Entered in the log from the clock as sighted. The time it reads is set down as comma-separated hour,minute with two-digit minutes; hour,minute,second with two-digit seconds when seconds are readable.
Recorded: 9,06
